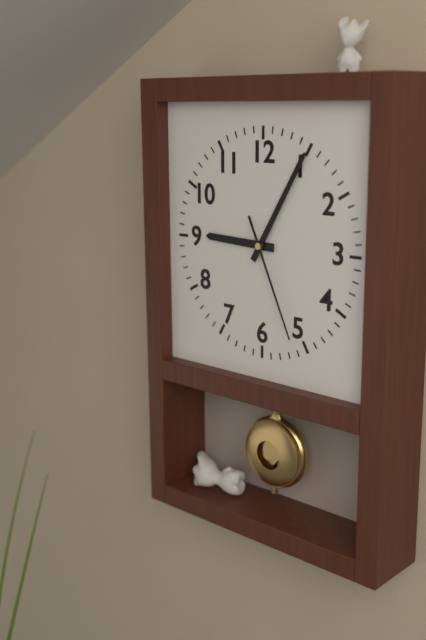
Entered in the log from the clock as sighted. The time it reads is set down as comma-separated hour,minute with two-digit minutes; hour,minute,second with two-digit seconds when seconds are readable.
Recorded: 9,05,26
